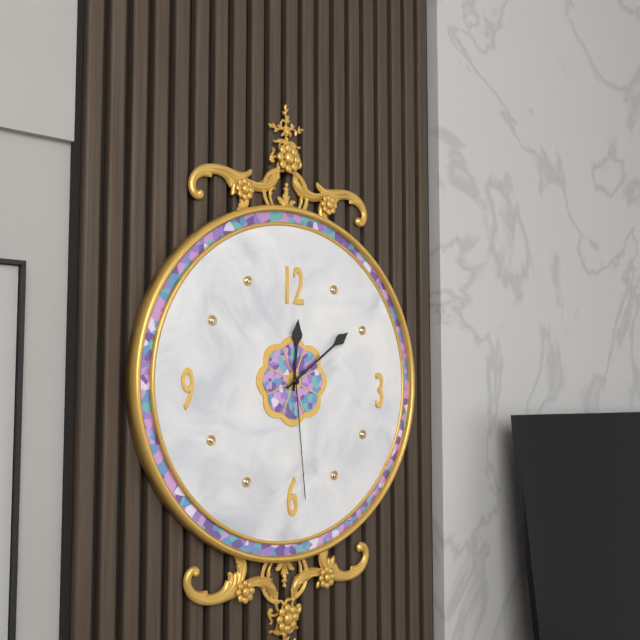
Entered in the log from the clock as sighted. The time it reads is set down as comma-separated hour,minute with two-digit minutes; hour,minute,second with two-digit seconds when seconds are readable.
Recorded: 12,09,29
